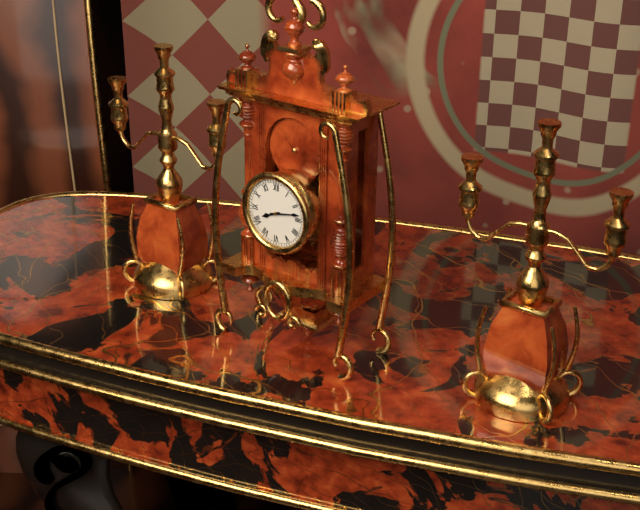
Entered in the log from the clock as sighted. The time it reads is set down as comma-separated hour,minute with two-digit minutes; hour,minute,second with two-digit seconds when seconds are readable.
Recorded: 8,13
